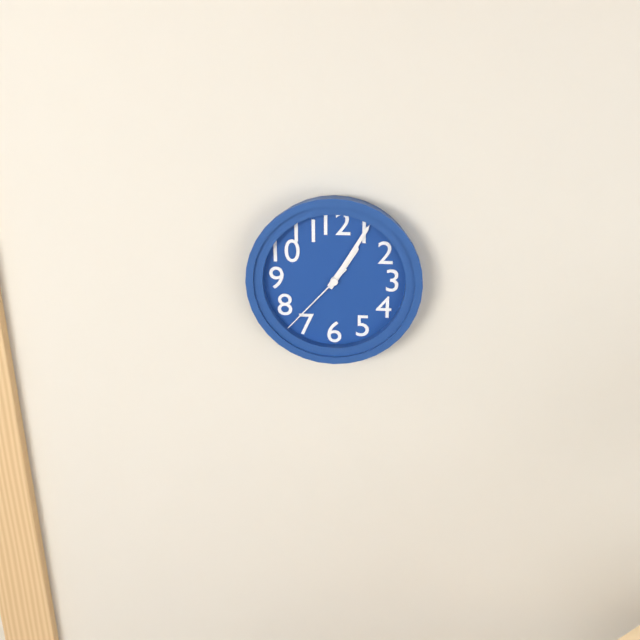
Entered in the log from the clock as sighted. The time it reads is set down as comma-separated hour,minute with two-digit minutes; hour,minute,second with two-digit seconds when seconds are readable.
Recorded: 1,05,37
